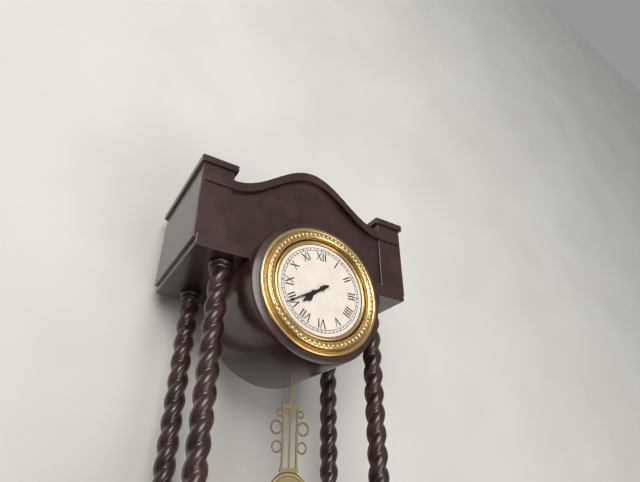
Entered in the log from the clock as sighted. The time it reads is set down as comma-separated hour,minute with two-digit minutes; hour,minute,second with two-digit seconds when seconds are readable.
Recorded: 7,40
